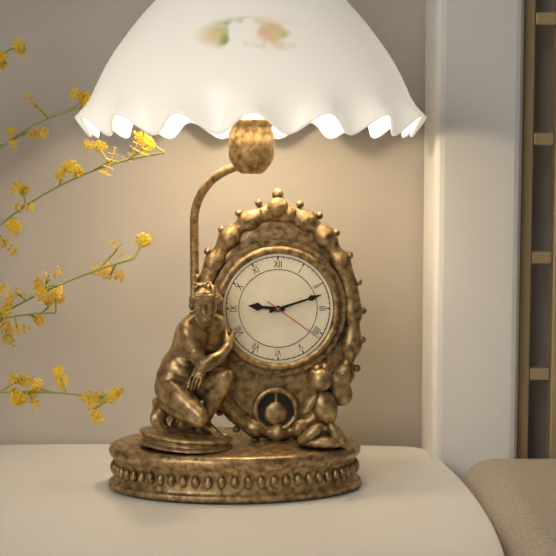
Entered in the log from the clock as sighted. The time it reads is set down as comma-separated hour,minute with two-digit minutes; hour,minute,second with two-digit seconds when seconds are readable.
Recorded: 9,12,21
